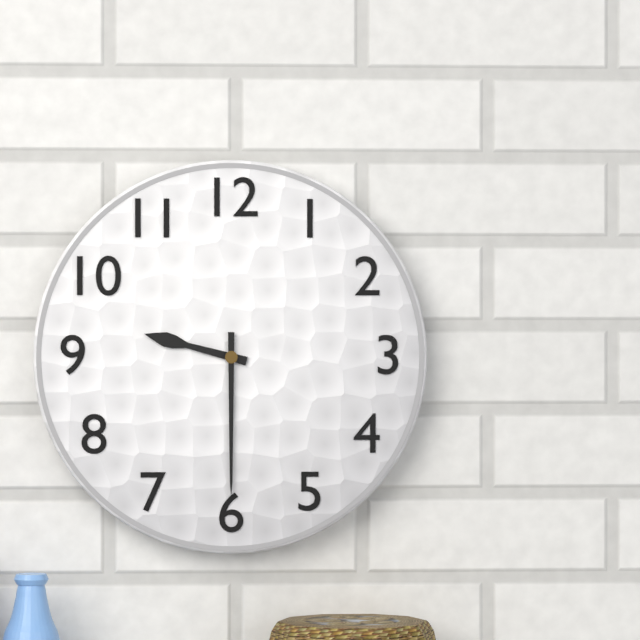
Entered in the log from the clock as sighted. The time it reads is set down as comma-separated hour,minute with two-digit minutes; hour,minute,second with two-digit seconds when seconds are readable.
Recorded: 9,30
